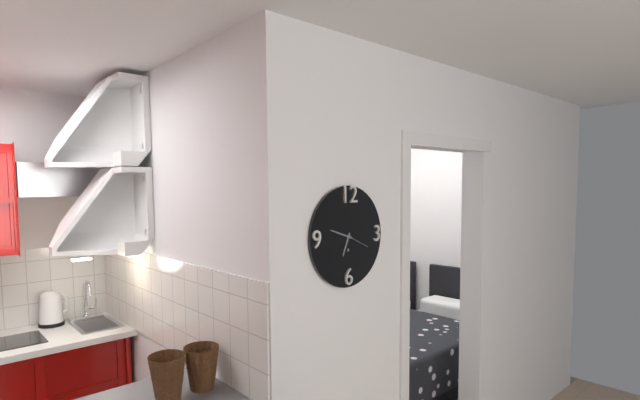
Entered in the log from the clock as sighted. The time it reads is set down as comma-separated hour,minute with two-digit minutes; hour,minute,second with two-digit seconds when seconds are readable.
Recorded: 6,48
